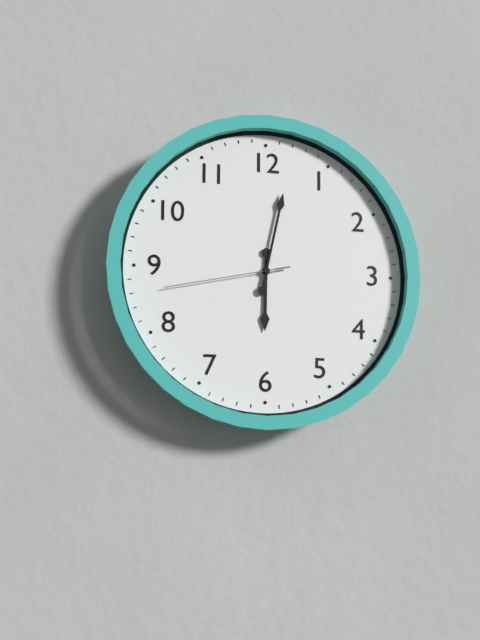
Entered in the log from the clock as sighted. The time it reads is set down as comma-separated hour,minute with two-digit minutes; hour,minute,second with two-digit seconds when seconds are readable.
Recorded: 6,02,43
